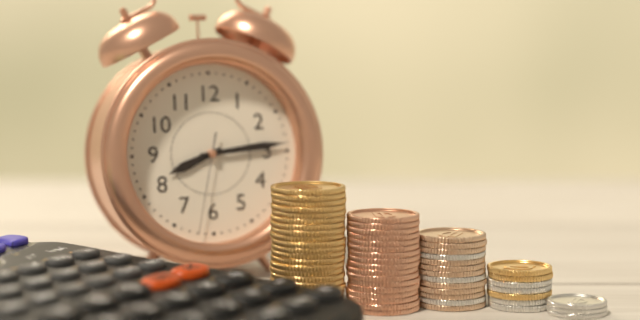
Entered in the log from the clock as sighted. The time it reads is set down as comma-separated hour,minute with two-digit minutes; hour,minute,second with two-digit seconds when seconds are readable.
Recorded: 8,14,32
